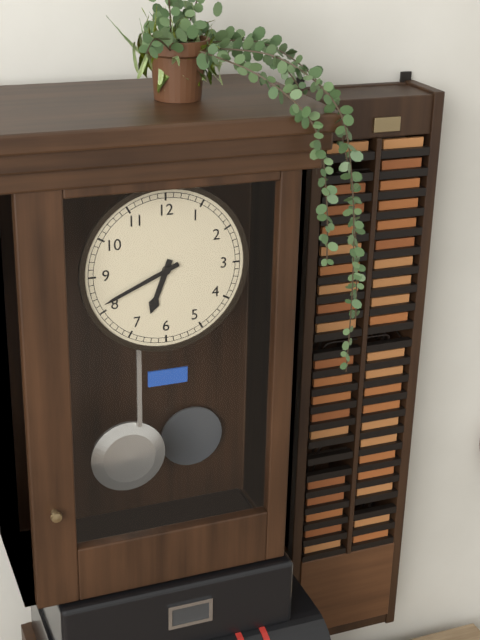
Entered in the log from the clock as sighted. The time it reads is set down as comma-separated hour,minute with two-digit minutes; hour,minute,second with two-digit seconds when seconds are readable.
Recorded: 6,41
